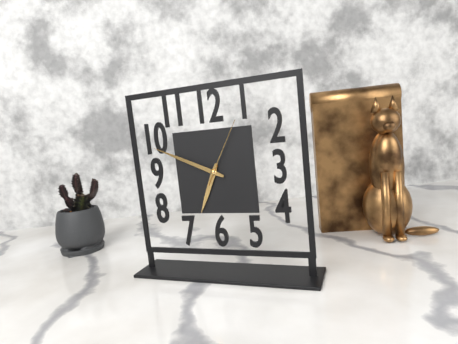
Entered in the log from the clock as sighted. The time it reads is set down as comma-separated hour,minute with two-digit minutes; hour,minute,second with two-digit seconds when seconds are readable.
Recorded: 6,49,05
